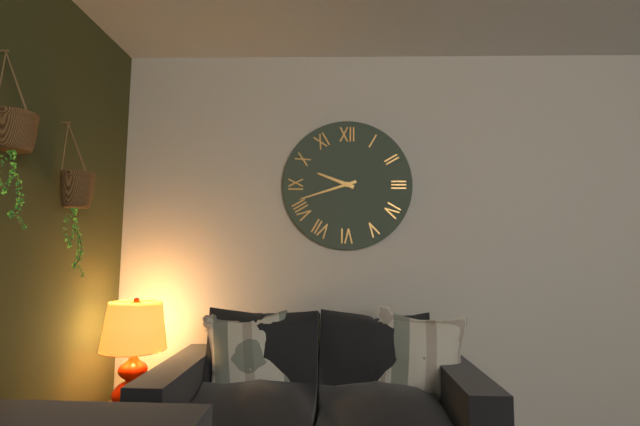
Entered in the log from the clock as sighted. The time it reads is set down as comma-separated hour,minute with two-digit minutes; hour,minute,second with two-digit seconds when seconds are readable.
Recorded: 9,42
